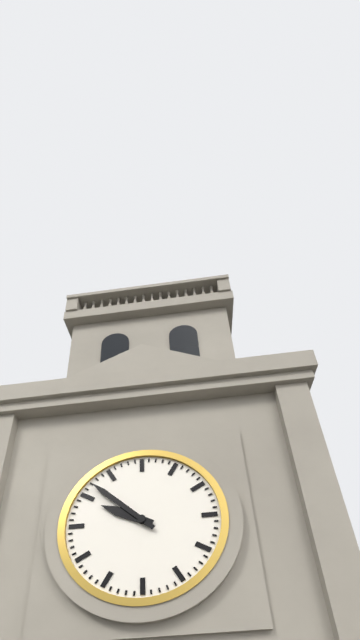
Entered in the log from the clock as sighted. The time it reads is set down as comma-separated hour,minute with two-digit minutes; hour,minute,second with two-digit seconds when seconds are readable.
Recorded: 9,52
